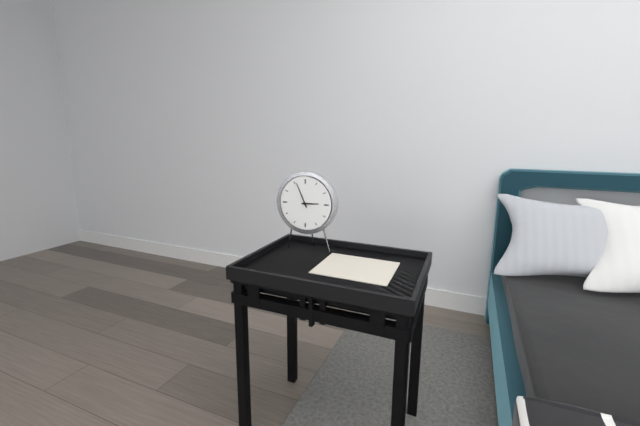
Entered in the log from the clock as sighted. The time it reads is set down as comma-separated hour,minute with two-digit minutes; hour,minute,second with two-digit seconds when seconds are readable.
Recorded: 2,56
